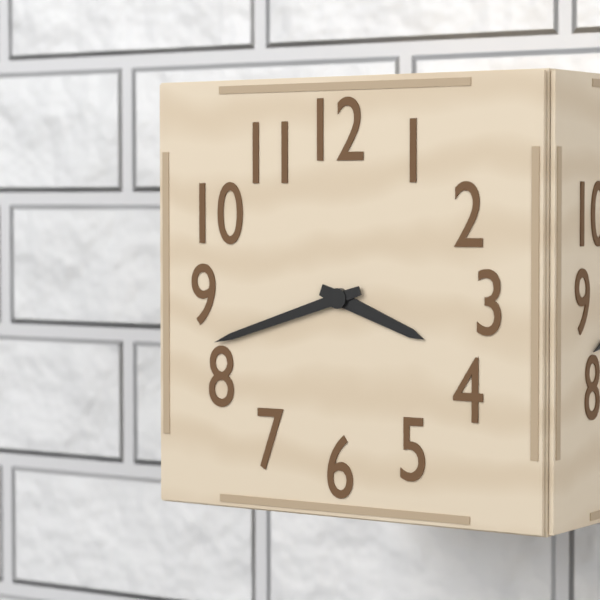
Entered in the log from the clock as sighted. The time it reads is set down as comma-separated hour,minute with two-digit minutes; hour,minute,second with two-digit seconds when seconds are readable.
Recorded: 3,42
